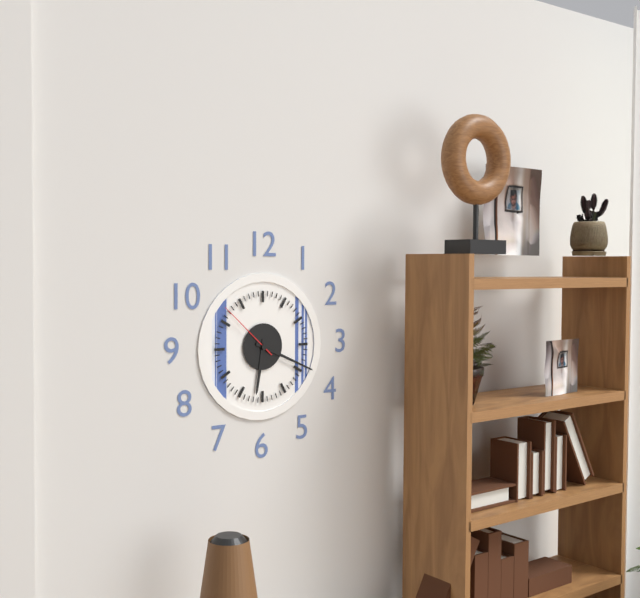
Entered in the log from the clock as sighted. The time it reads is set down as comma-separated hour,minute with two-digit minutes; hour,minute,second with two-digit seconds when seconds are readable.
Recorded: 6,19,52
